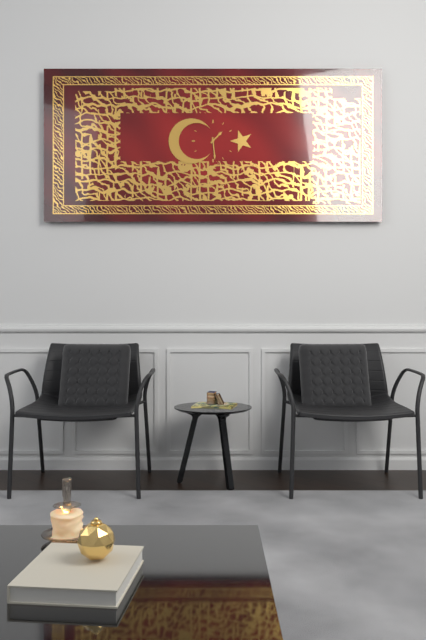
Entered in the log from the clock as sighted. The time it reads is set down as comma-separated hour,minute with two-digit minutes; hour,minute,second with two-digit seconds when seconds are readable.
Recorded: 1,29
